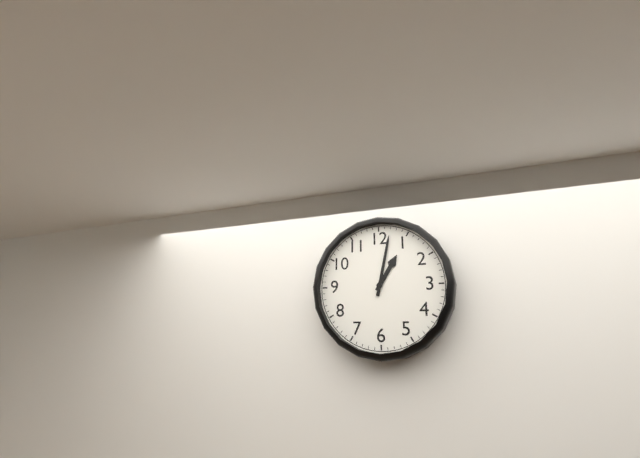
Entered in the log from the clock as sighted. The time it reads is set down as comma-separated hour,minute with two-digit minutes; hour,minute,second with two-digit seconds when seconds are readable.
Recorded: 1,02
